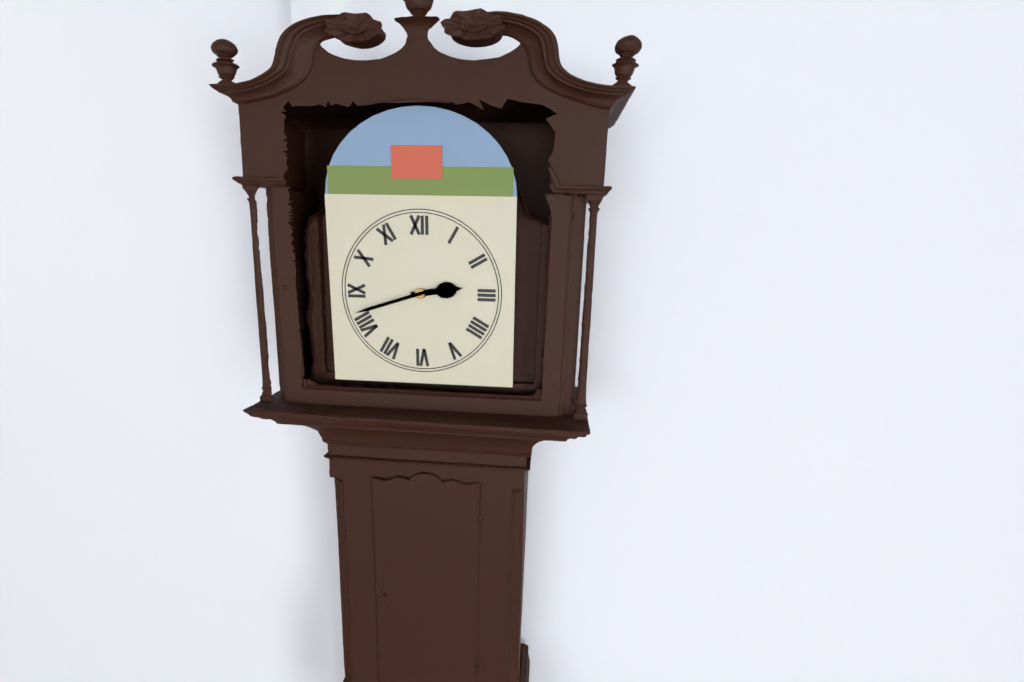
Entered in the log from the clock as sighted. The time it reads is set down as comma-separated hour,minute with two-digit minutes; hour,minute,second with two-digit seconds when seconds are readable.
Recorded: 2,42
